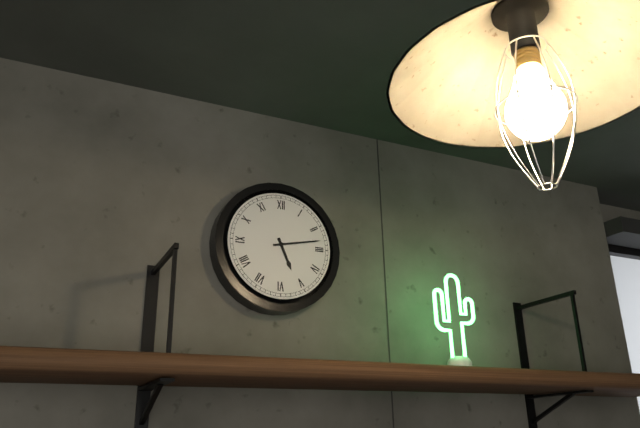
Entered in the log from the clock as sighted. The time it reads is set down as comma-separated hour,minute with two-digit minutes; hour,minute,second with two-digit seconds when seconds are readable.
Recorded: 5,13
